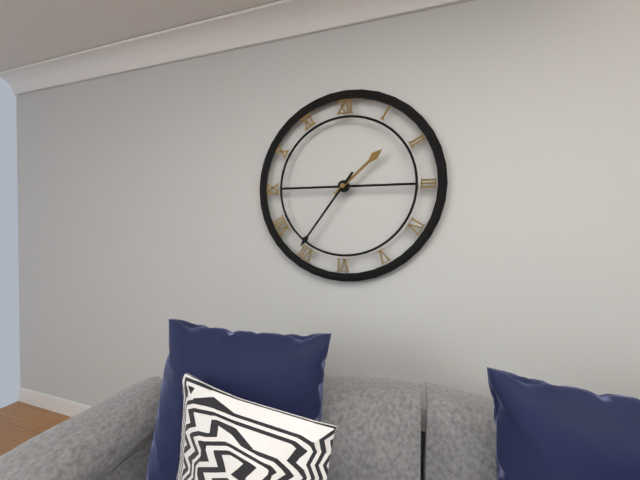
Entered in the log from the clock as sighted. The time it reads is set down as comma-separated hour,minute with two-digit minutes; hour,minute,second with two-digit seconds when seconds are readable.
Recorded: 1,36
